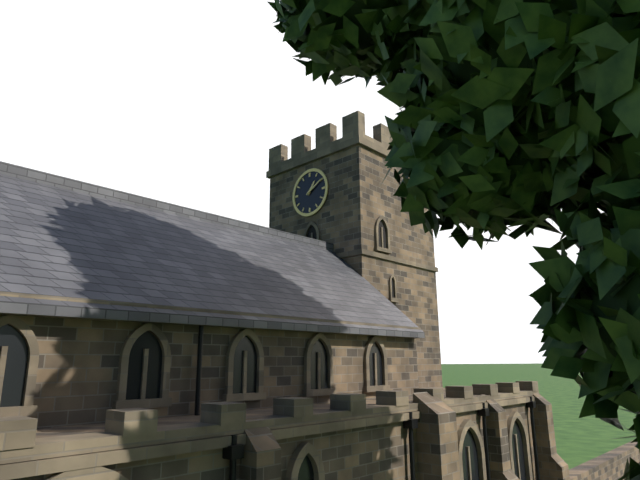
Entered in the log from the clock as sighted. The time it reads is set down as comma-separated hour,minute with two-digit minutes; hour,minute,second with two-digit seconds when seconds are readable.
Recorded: 1,10
